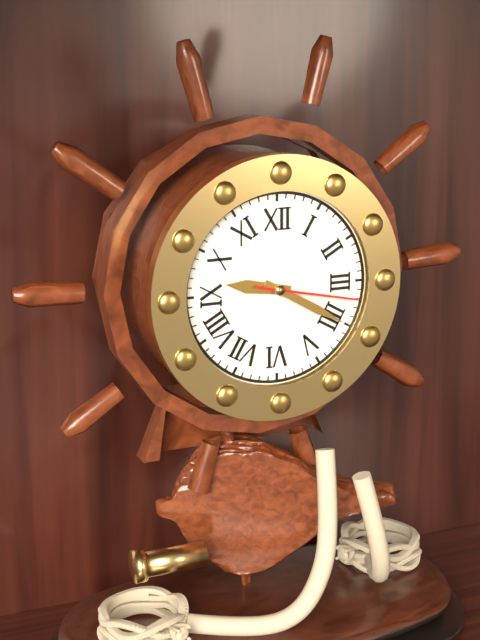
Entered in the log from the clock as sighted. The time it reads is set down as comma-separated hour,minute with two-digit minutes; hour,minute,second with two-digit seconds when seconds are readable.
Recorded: 9,20,17
